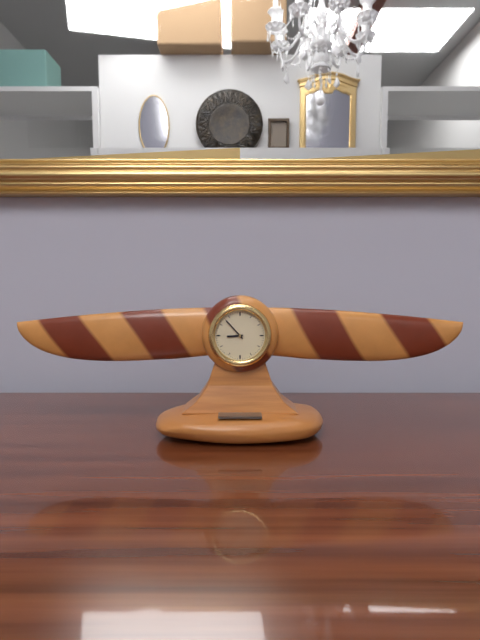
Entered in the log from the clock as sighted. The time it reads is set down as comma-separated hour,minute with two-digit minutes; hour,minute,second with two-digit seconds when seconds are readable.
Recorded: 8,53
